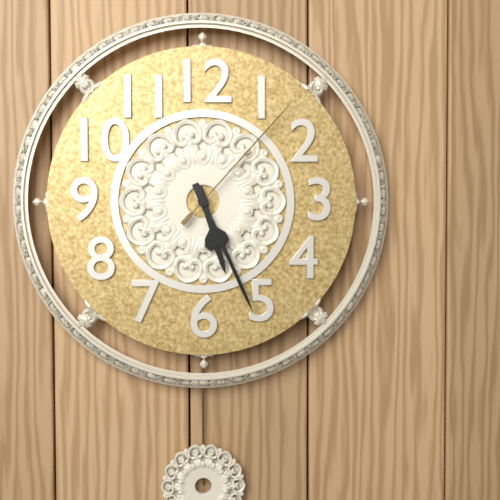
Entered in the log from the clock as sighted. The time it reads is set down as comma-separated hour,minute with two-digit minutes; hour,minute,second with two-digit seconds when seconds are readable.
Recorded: 5,26,07
